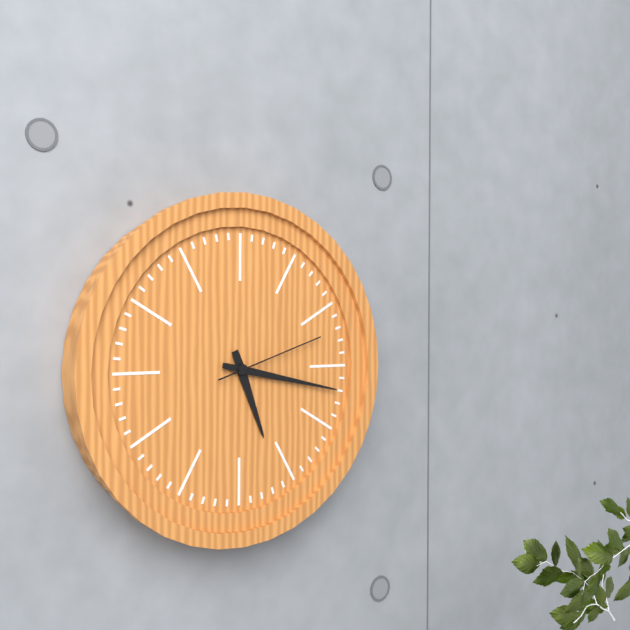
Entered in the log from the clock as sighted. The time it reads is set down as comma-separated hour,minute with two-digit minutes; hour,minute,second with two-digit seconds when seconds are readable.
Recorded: 5,17,12
